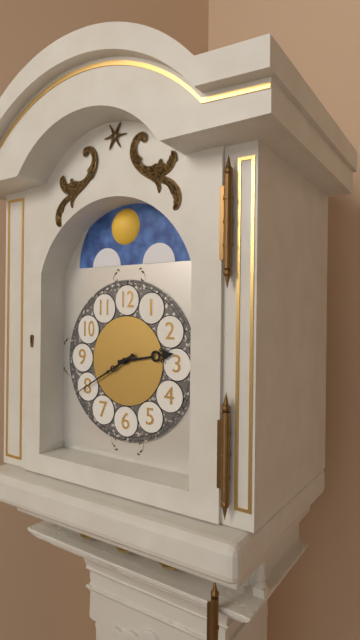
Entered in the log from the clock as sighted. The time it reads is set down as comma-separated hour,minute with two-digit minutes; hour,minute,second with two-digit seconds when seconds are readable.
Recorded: 2,40
